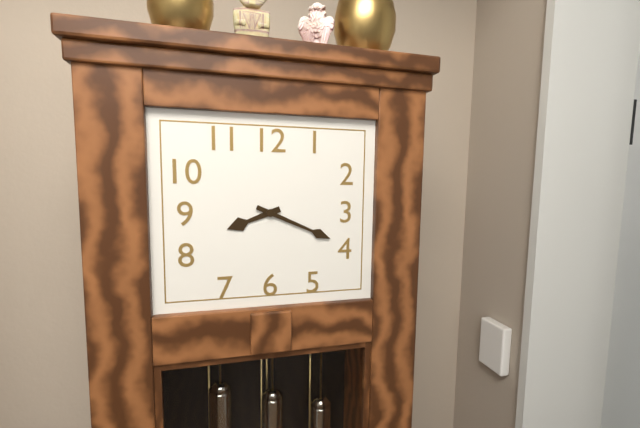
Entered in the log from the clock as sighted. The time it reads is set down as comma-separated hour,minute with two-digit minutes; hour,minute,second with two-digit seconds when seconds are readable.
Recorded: 8,19
